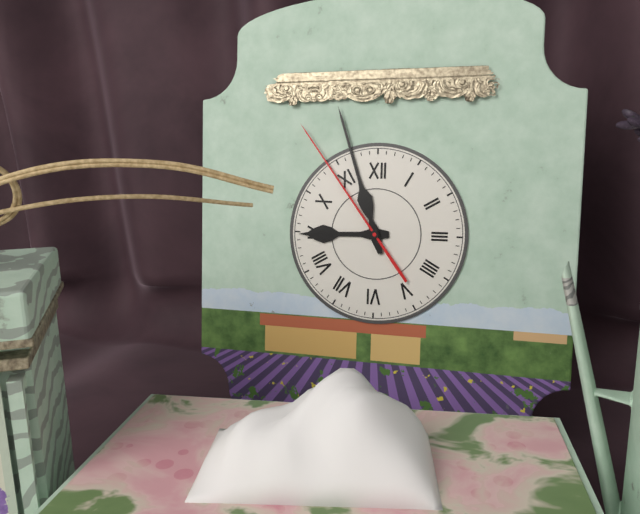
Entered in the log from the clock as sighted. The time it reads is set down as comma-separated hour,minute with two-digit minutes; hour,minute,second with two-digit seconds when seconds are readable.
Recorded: 8,57,54
